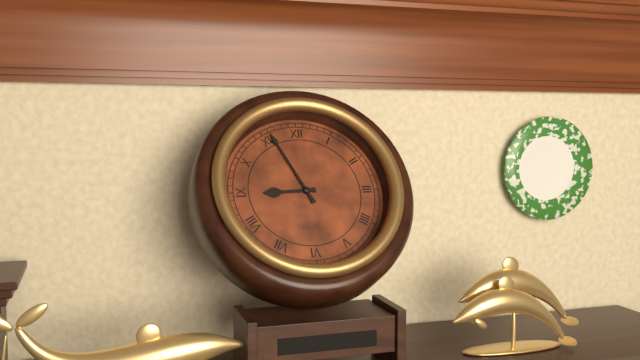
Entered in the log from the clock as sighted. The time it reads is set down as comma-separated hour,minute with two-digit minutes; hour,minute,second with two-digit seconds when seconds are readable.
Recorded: 8,56
